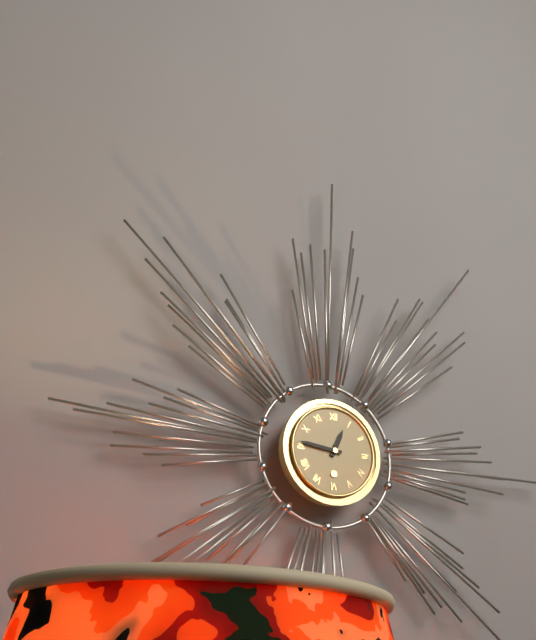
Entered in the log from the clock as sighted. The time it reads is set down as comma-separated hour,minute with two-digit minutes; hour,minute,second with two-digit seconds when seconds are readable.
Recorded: 12,46
